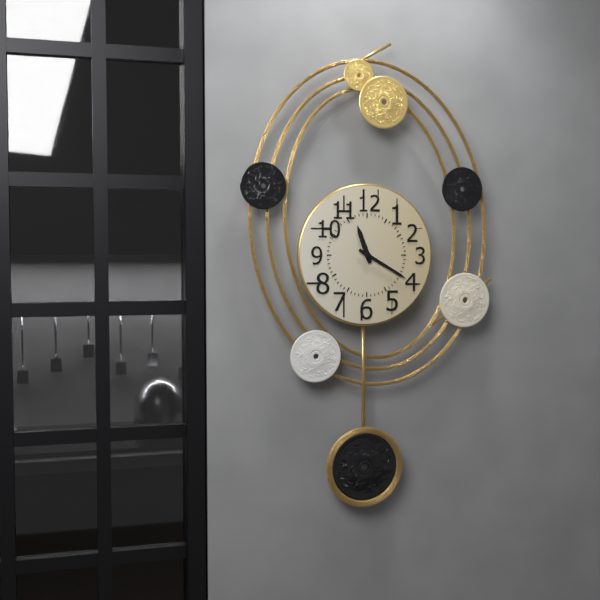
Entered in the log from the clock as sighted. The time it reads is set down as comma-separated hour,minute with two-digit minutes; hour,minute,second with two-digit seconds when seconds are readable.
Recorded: 11,20
